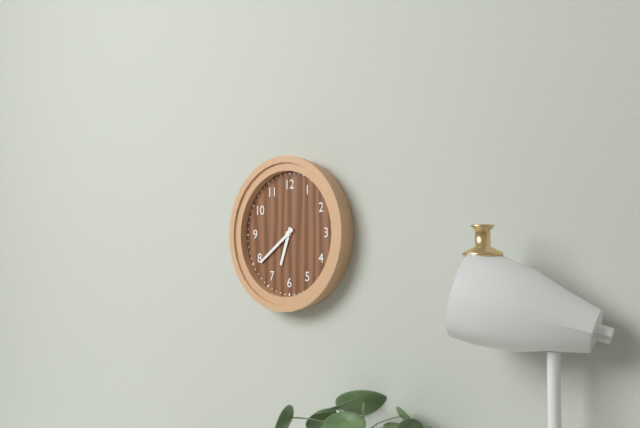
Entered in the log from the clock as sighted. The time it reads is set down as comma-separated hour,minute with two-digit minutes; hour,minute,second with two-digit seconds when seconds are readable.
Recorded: 6,39
